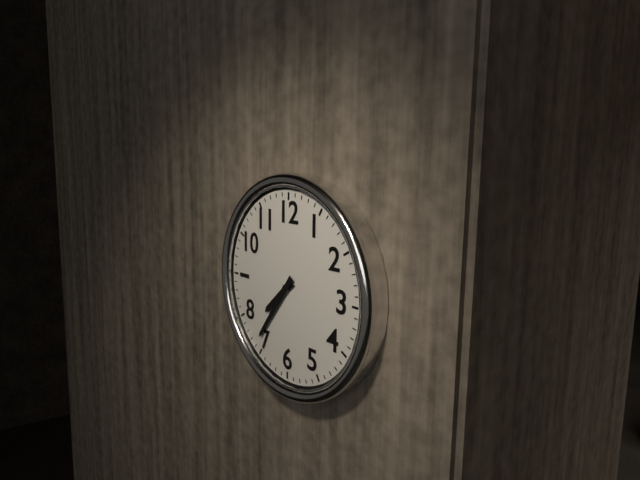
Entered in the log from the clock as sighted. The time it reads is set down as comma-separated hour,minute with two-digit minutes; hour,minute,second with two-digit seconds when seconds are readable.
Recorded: 7,36
